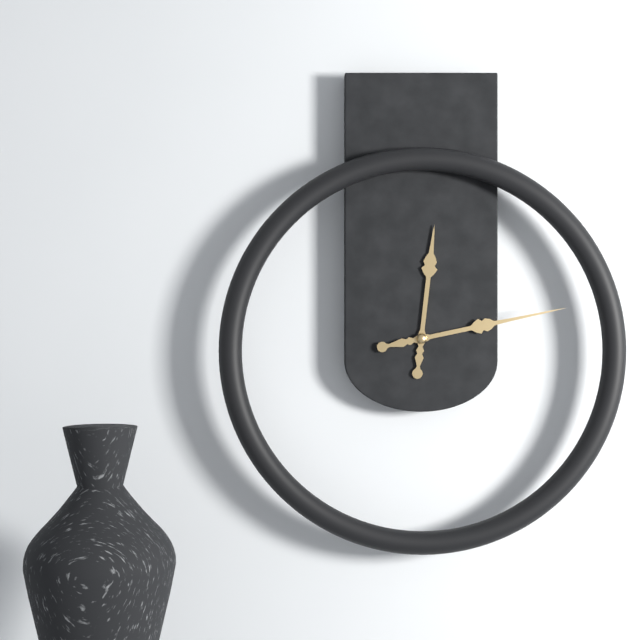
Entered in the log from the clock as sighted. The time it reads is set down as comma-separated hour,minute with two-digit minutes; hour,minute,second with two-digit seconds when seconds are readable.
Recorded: 12,13
